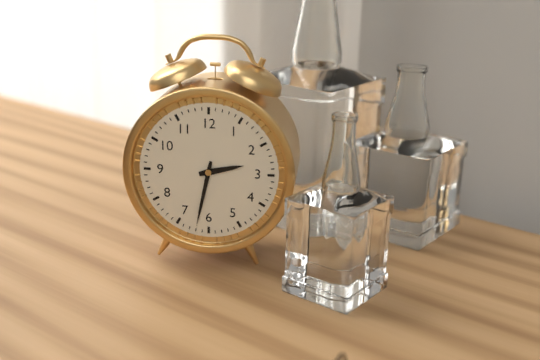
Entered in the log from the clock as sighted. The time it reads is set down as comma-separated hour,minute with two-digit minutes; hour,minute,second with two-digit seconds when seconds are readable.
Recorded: 2,32
